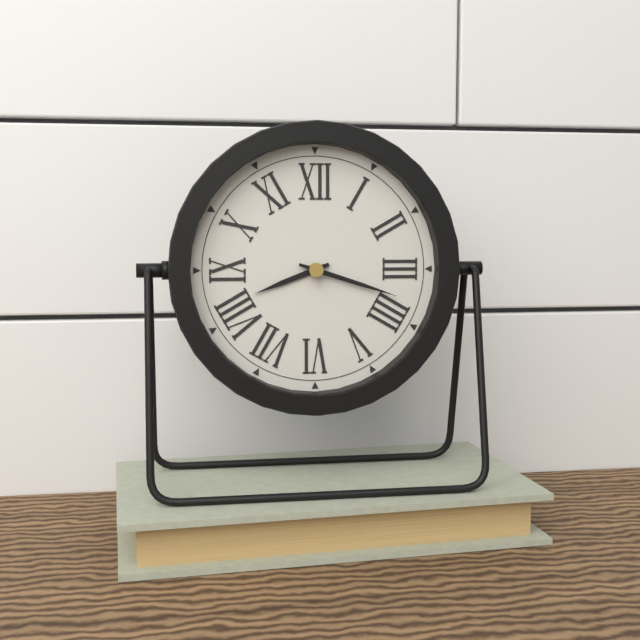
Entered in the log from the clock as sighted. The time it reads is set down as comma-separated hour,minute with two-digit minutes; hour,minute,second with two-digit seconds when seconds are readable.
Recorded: 8,18
